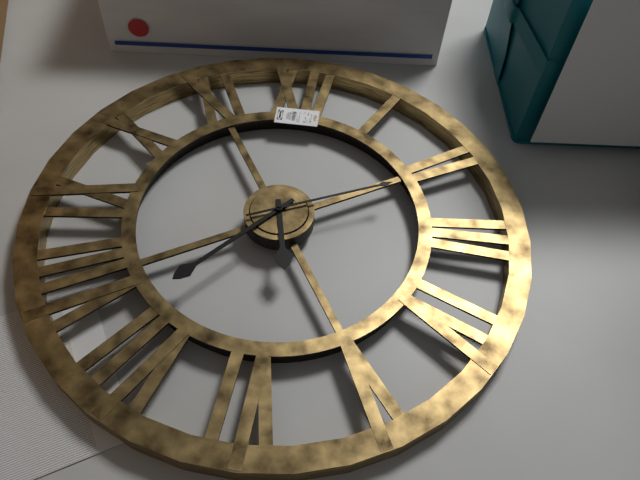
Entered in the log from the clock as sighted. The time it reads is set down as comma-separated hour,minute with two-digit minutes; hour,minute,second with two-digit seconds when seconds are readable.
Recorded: 5,37,11
